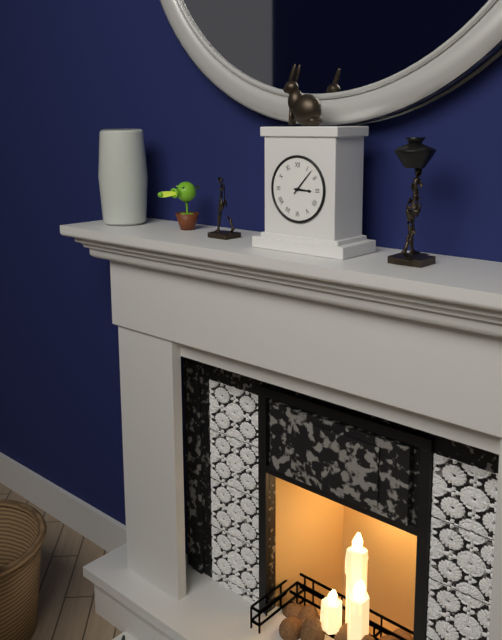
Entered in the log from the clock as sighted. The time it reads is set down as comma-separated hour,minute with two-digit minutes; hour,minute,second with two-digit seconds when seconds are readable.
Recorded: 3,07
